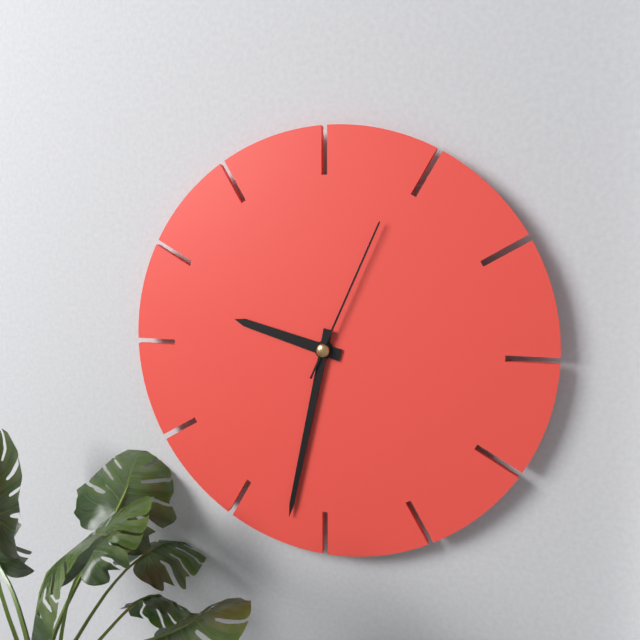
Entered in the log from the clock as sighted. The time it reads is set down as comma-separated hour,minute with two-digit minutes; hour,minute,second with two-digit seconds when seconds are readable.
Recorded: 9,32,04
